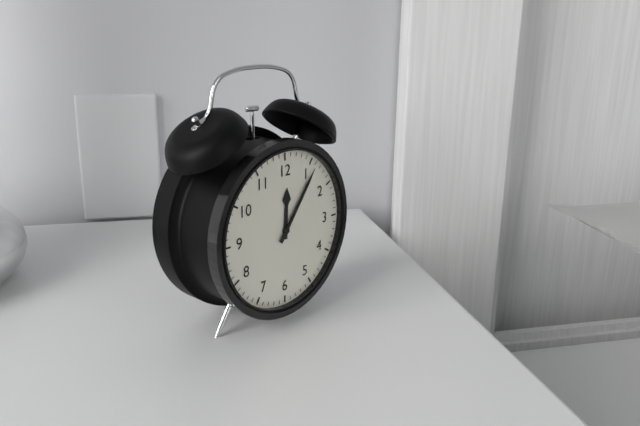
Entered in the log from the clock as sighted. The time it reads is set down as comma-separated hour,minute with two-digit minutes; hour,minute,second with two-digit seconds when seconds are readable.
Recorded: 12,06
